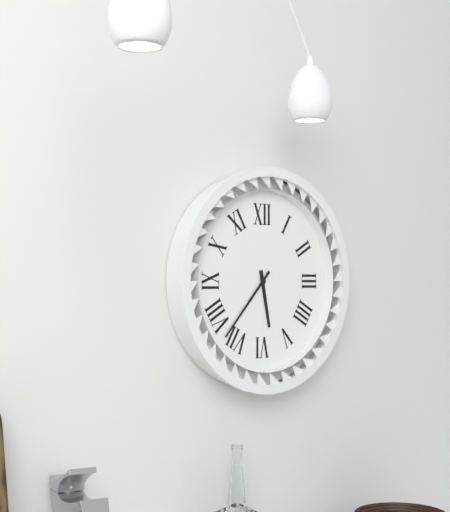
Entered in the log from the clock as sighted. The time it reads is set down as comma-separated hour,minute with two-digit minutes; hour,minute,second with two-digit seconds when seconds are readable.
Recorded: 5,37
